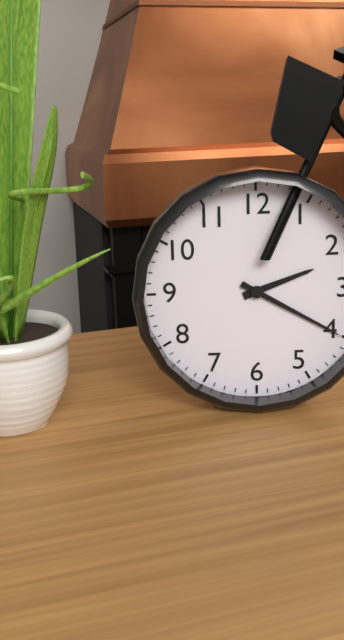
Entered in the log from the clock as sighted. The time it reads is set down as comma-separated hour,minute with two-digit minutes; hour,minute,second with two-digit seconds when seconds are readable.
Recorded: 2,20
